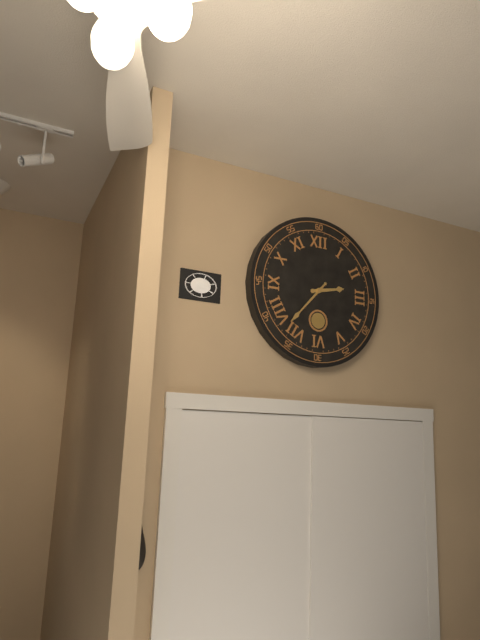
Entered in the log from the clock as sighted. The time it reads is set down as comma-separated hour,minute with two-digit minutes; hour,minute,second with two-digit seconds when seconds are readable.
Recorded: 2,37
